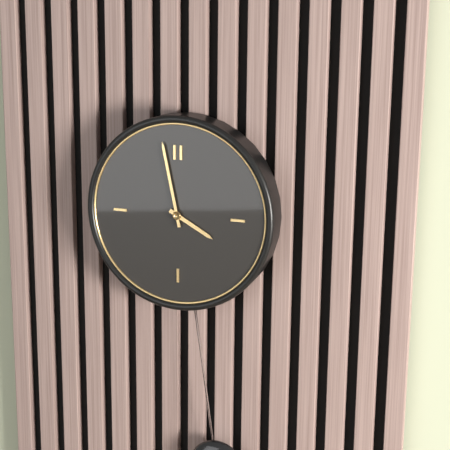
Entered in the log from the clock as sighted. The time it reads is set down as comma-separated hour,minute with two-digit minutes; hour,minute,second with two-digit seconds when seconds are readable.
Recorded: 3,58
